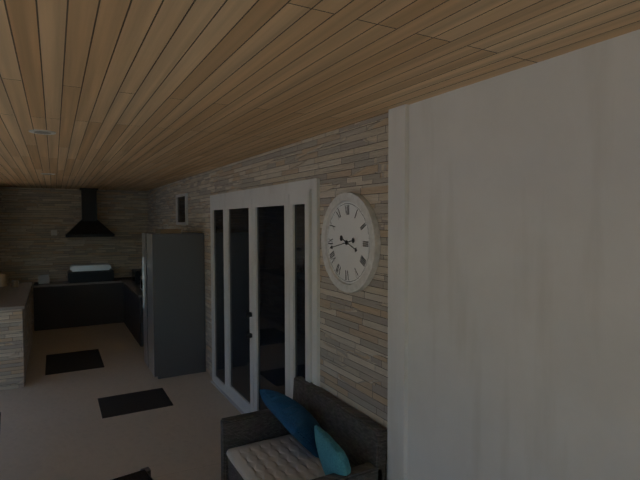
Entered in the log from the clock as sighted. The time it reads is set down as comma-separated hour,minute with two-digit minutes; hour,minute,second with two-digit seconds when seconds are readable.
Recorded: 3,43
